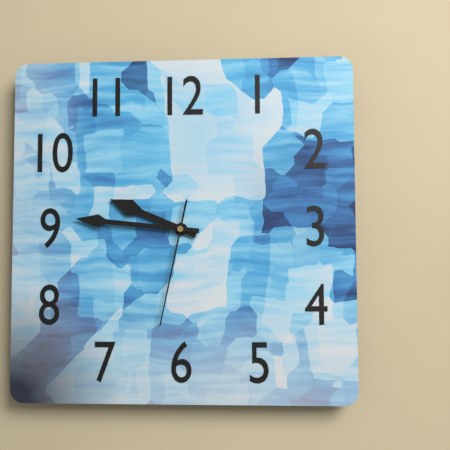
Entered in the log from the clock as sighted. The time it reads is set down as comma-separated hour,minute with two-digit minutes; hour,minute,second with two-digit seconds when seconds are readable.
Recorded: 9,46,32
